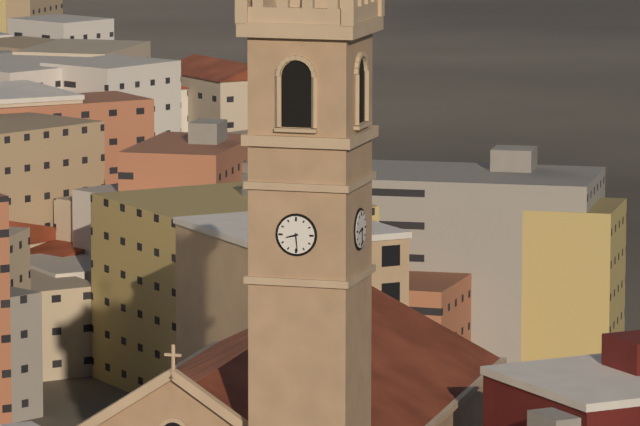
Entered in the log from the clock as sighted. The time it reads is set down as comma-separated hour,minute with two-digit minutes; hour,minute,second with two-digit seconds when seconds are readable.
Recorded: 8,29
